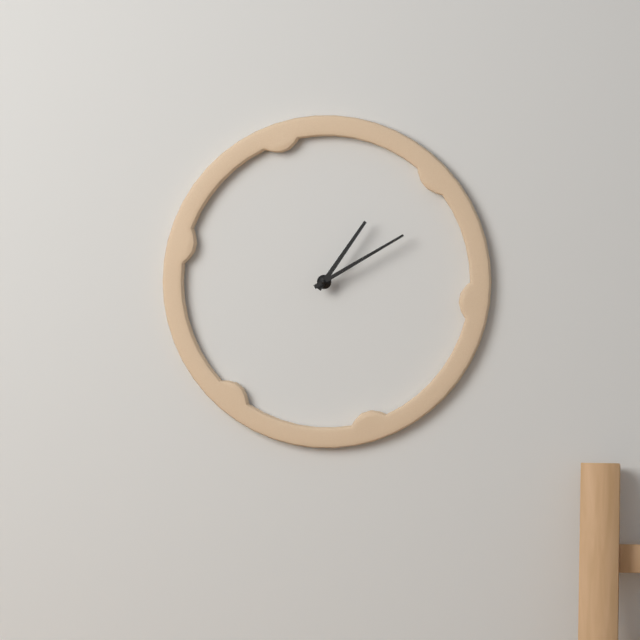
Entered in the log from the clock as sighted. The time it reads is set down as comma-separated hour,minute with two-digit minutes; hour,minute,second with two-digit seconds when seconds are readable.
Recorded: 1,10
